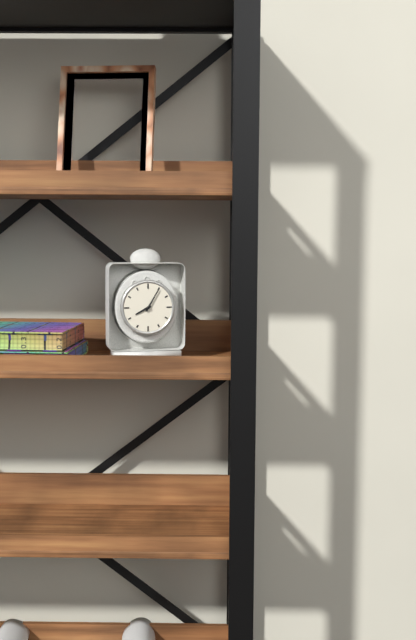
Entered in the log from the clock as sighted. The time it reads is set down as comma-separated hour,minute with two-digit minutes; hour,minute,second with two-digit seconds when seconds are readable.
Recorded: 8,05
